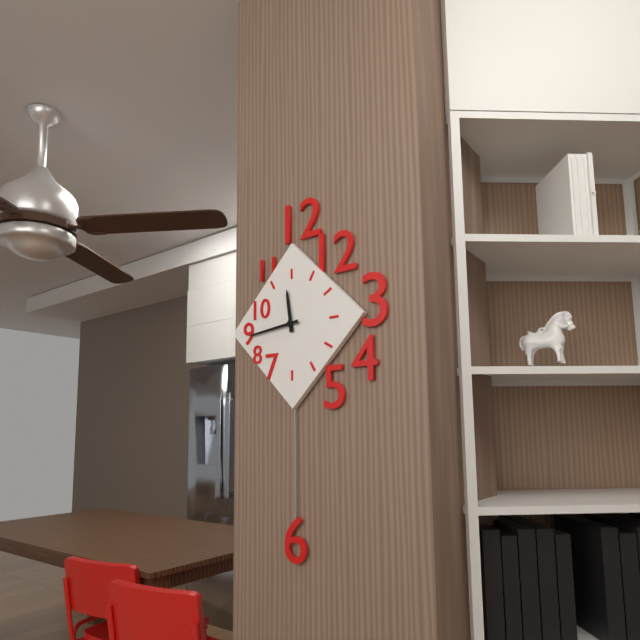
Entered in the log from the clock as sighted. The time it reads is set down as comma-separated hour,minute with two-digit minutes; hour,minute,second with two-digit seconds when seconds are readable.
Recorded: 11,44
